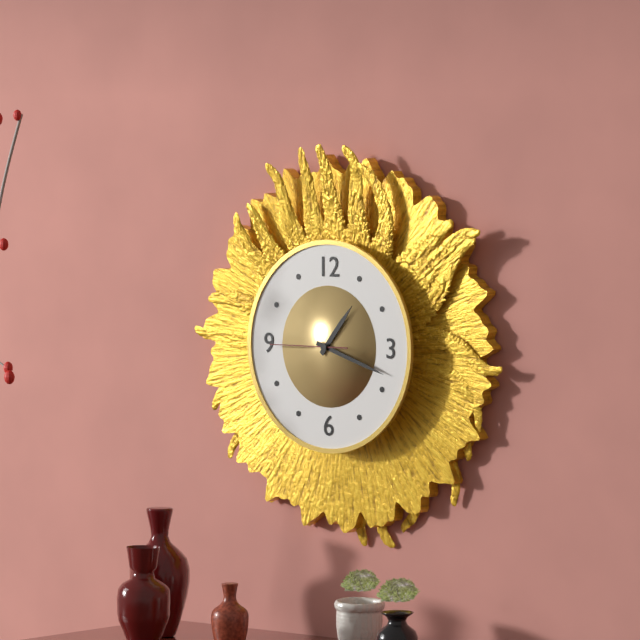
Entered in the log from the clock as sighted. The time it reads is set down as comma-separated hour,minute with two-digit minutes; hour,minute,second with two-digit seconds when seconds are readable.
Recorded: 1,18,45
